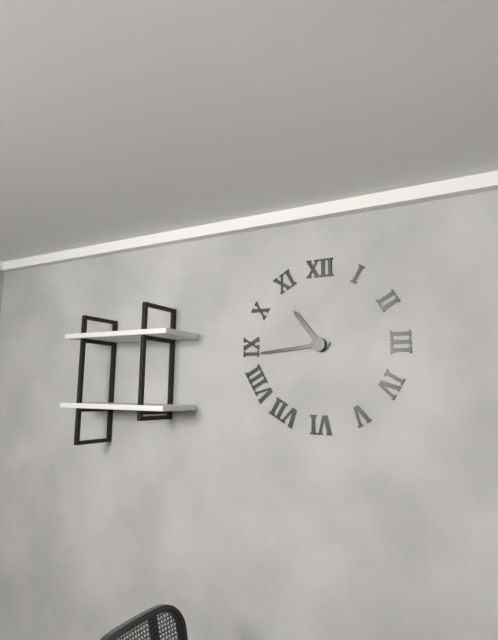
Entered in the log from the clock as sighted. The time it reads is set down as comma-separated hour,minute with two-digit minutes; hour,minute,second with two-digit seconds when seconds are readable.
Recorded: 10,44
